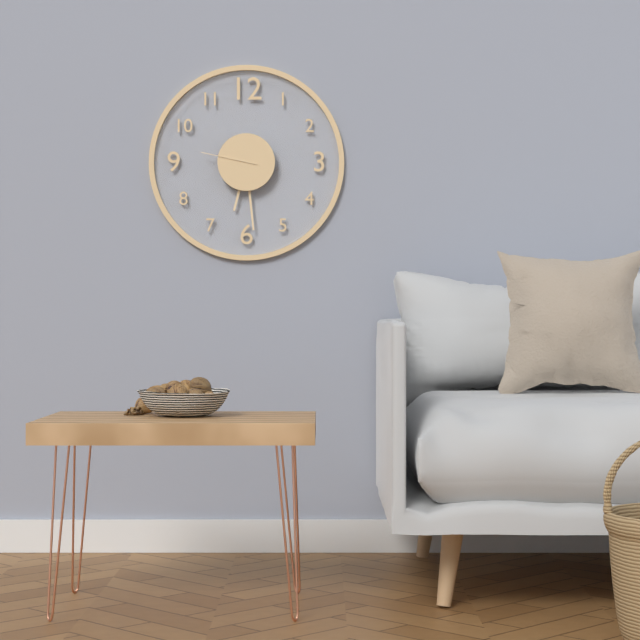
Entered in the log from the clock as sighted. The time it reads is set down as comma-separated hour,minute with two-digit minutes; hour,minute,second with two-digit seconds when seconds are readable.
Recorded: 6,29,47
